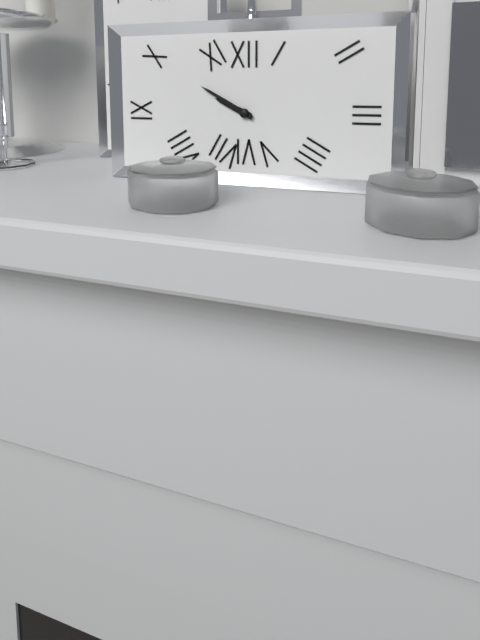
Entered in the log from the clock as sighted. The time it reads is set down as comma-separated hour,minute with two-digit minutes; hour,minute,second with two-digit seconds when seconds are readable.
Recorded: 9,50
